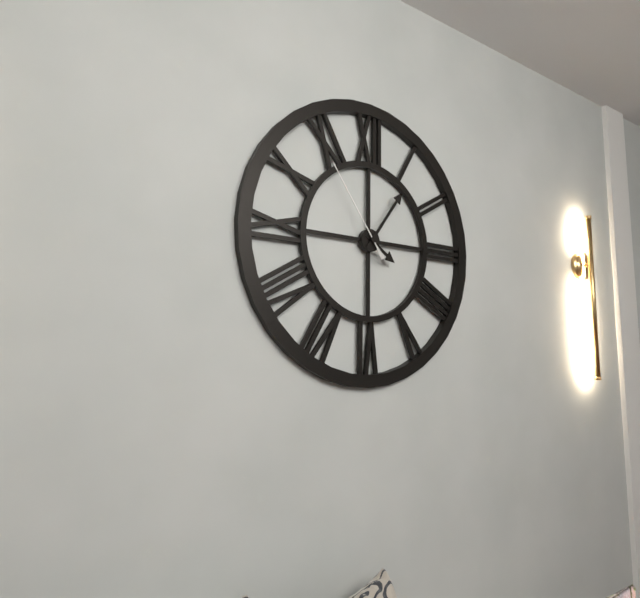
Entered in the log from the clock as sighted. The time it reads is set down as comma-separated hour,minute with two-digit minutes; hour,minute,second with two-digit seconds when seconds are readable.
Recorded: 4,06,54
